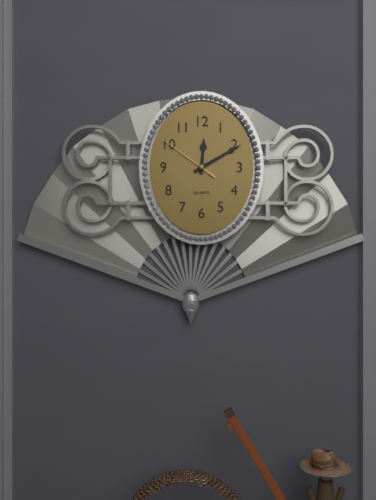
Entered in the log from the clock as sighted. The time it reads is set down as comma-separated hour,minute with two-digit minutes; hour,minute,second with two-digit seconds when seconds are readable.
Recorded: 12,10,51
